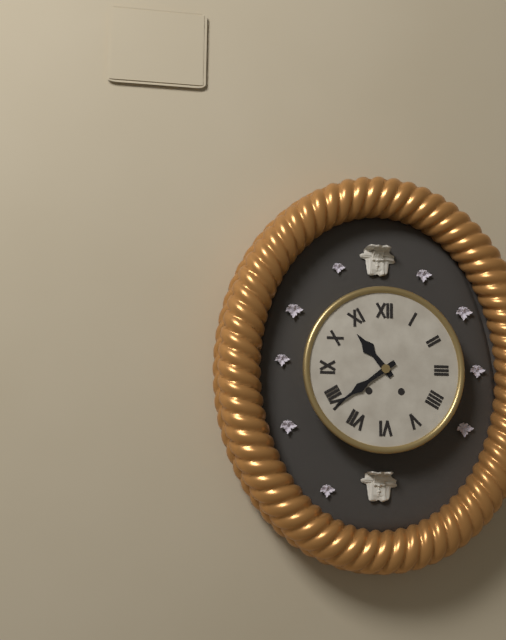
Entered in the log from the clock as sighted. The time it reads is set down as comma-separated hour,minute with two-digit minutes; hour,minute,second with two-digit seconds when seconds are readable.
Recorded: 10,39
